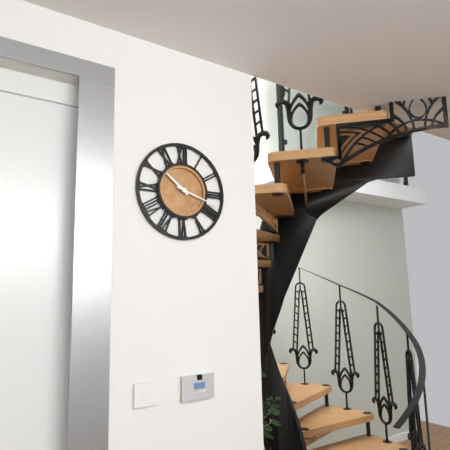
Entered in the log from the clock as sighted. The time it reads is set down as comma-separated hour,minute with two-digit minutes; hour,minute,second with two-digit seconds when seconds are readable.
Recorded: 10,18
